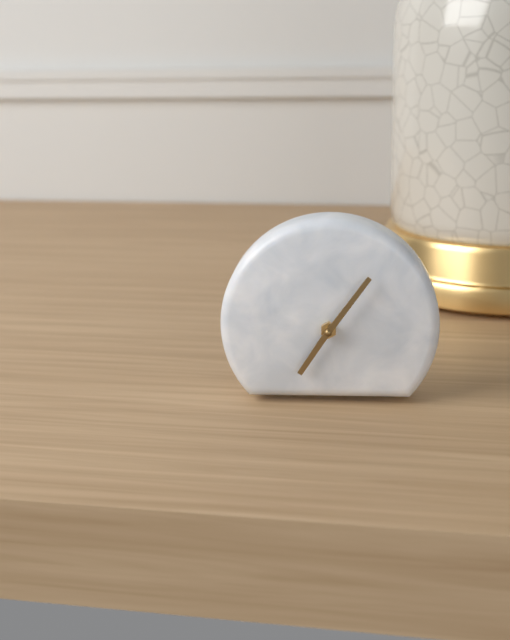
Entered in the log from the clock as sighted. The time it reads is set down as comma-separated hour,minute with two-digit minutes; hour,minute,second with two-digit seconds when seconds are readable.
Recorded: 7,06
